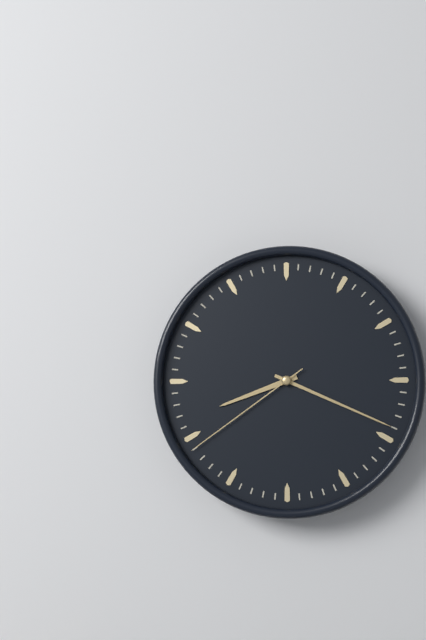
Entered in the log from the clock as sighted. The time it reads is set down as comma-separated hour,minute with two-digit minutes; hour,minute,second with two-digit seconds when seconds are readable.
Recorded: 8,19,39
